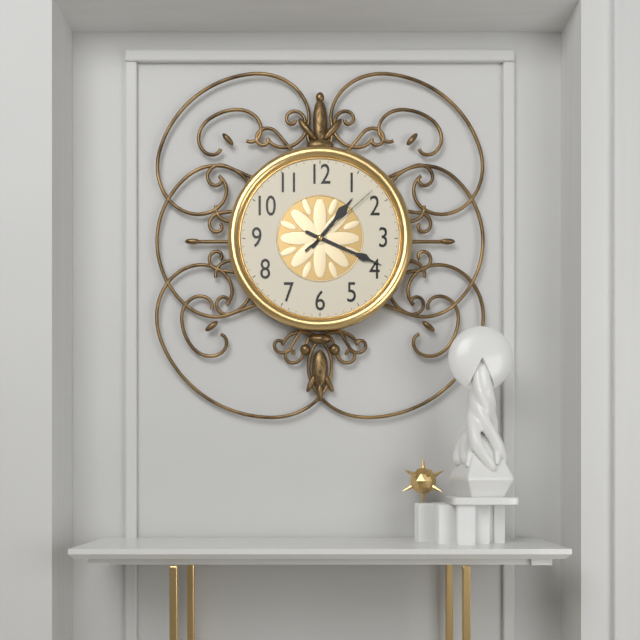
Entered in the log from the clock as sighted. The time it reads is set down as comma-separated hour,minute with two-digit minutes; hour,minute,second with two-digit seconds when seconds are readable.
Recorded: 1,19,08
